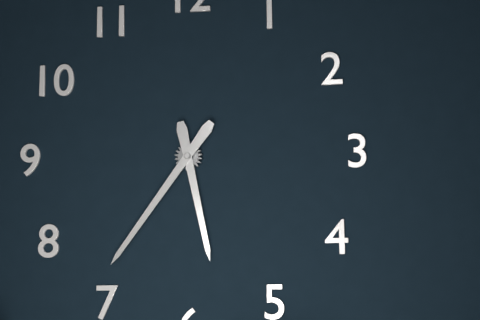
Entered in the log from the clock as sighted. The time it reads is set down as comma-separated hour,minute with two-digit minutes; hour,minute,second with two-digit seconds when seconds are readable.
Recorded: 5,36
